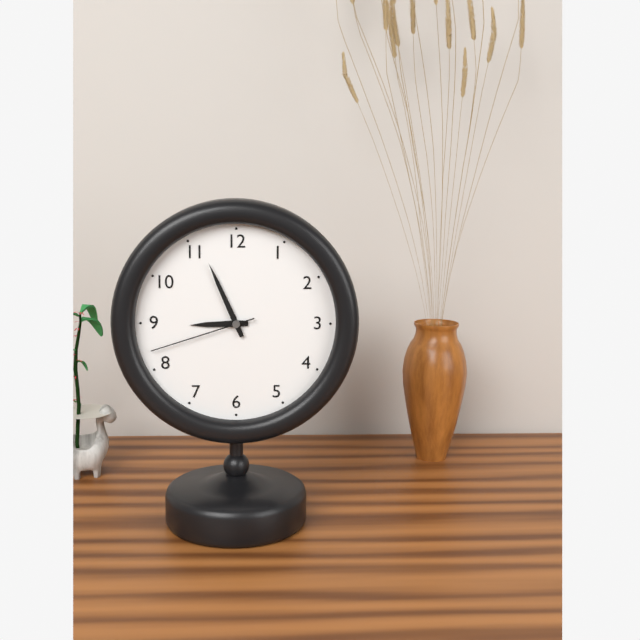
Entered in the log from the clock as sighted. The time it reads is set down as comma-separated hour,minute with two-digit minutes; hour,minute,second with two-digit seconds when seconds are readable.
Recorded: 8,56,42
